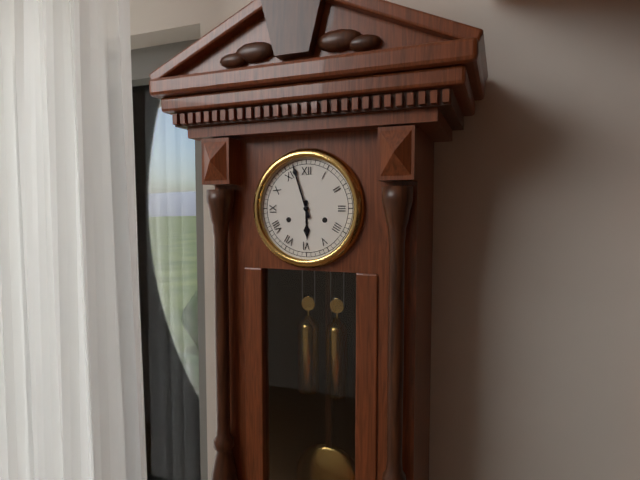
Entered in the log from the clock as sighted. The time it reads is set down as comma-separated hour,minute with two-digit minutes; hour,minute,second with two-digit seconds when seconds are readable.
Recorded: 5,57
